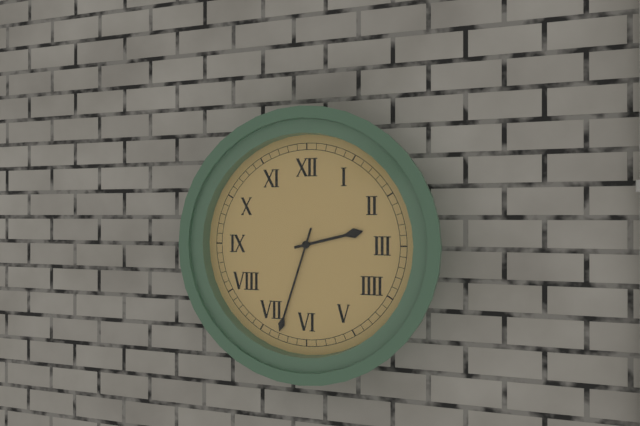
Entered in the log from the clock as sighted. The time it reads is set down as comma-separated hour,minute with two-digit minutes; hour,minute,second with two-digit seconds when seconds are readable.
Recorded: 2,33
